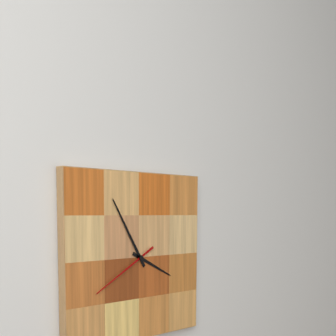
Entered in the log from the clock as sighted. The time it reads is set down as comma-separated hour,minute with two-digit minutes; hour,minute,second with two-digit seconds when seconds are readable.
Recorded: 3,55,40
